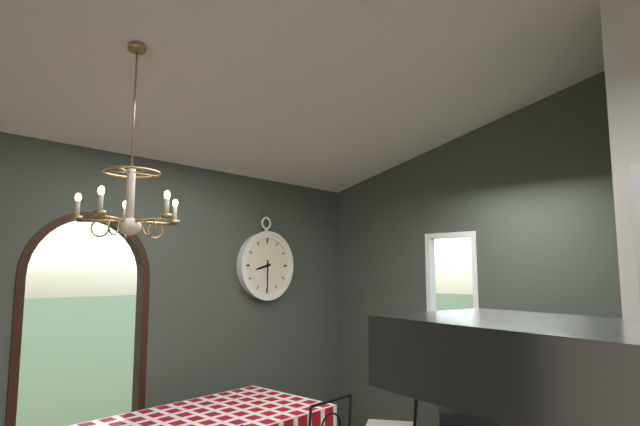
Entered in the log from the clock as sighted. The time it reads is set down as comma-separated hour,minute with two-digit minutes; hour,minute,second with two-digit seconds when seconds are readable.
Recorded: 8,30
